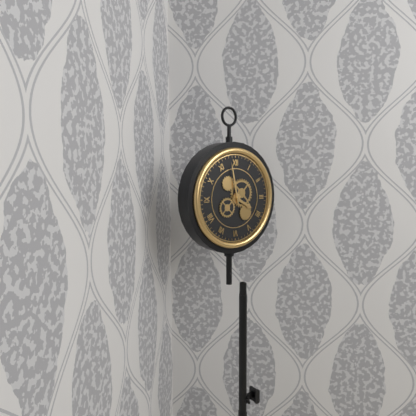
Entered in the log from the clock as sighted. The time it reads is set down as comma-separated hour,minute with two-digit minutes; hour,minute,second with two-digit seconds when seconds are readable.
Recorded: 3,58
